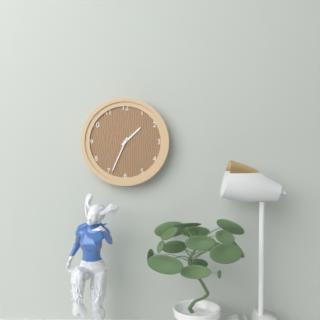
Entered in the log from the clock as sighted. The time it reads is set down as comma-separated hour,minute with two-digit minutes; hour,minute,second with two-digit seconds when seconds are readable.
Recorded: 1,34
